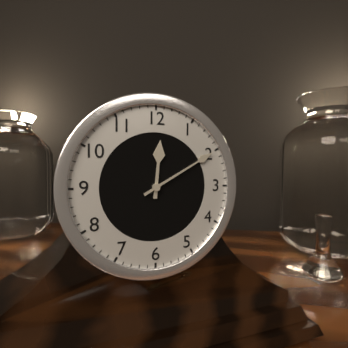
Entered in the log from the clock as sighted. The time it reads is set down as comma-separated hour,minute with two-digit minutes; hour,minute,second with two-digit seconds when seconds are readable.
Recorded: 12,10
